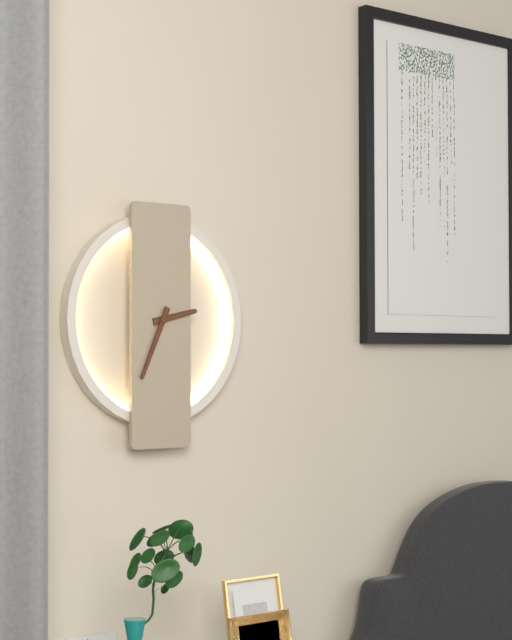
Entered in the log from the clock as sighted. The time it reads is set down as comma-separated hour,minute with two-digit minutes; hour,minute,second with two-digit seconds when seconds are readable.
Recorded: 2,34
